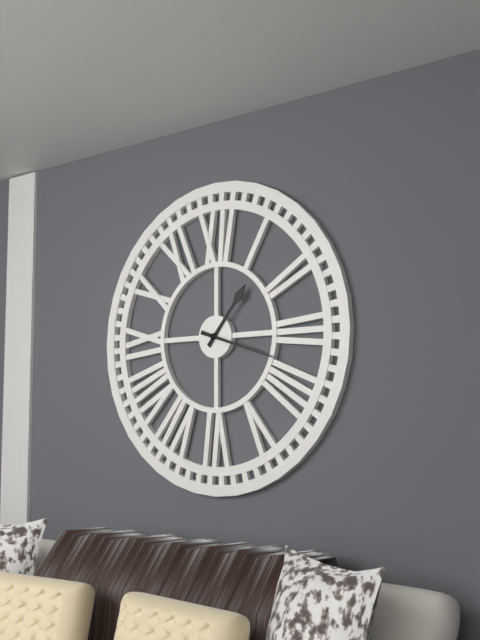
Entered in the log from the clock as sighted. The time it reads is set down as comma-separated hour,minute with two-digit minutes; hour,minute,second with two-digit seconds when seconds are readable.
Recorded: 1,18
